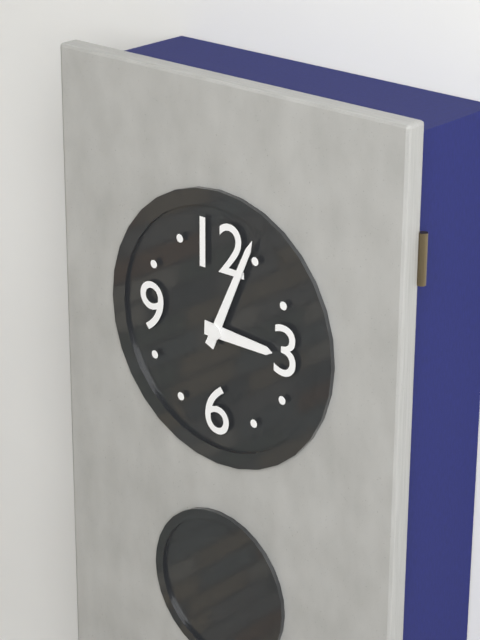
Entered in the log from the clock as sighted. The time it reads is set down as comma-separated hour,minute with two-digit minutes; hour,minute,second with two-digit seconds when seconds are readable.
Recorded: 3,04
